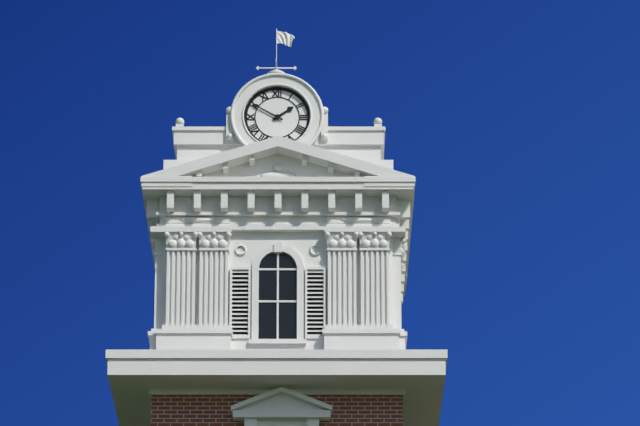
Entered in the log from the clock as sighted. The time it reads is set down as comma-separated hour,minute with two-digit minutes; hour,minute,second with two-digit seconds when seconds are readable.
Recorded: 1,50
